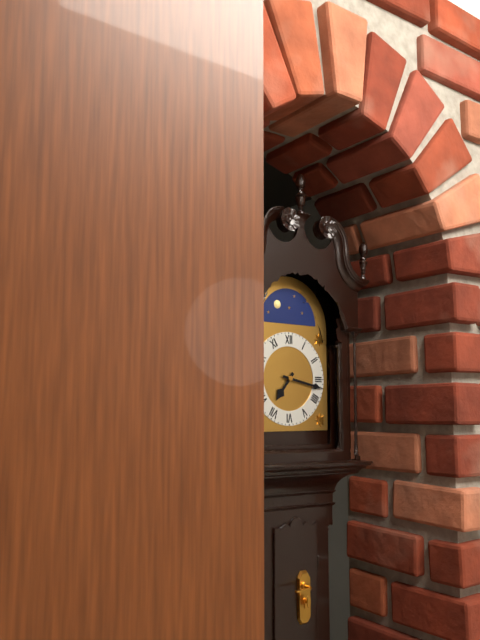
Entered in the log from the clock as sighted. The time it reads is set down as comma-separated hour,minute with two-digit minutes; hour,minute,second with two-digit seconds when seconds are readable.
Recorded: 7,17
